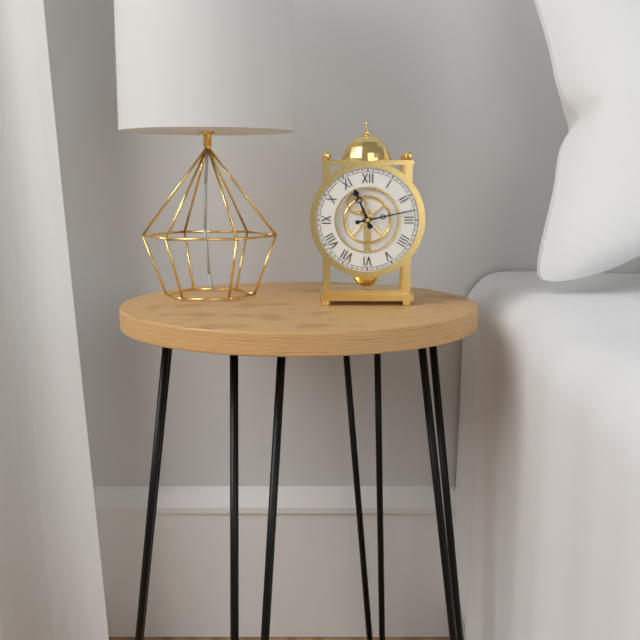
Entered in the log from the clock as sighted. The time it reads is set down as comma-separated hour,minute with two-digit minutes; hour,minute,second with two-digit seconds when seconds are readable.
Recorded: 11,13
